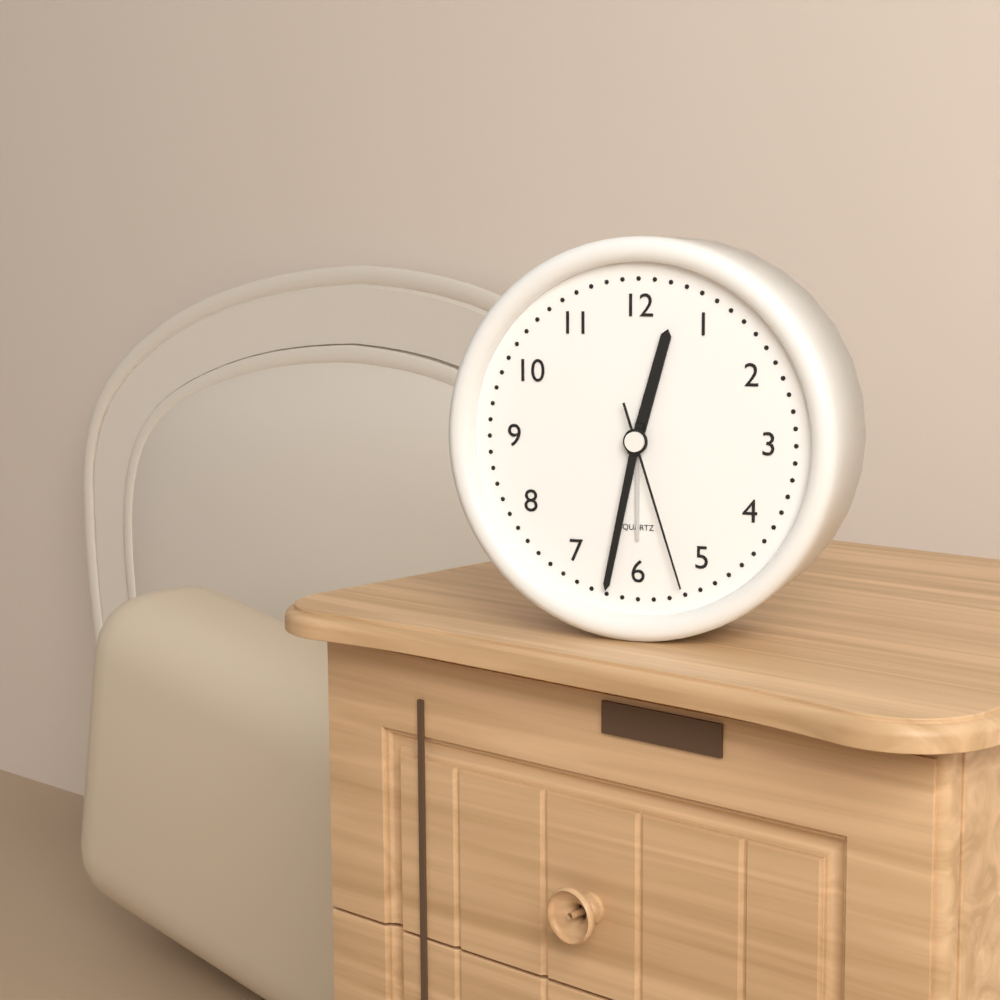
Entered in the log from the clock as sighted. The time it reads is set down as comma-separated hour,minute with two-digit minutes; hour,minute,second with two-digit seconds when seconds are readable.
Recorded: 12,32,27
